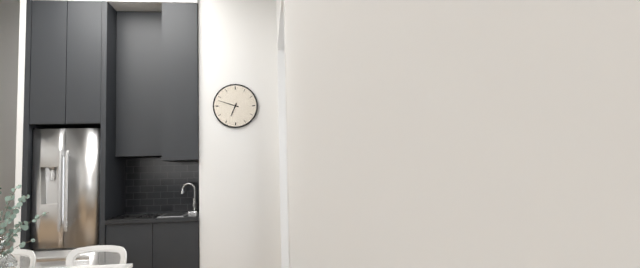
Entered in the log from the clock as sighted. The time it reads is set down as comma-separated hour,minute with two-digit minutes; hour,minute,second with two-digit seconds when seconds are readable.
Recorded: 6,48
